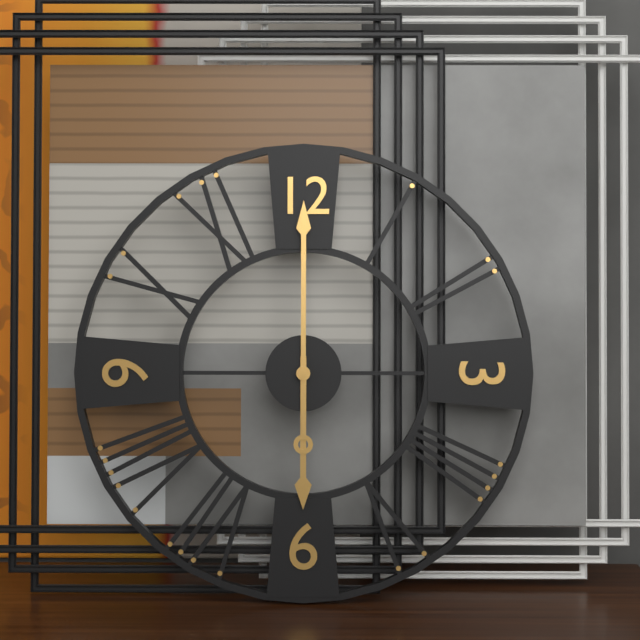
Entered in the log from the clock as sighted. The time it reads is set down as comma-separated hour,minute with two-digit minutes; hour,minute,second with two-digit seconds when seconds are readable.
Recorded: 6,00
